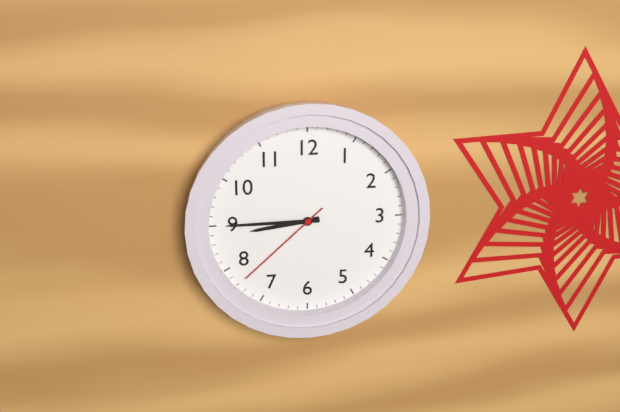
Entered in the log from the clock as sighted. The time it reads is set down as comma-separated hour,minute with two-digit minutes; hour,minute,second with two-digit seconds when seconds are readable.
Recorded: 8,45,38
